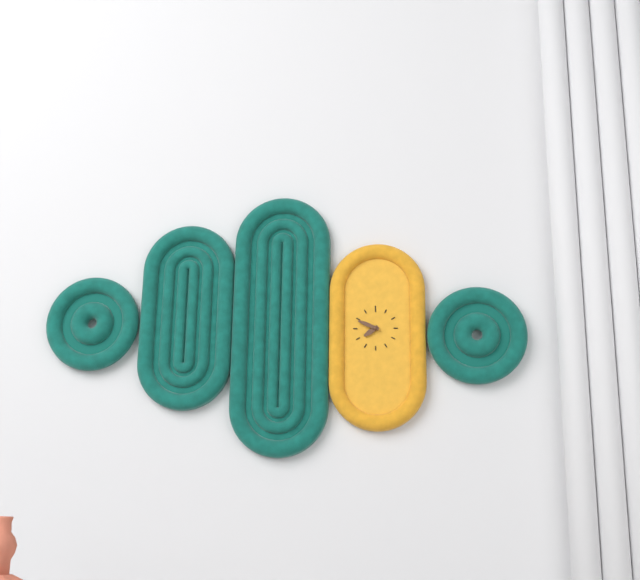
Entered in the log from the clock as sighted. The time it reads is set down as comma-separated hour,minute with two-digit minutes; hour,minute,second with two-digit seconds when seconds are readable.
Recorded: 7,49
